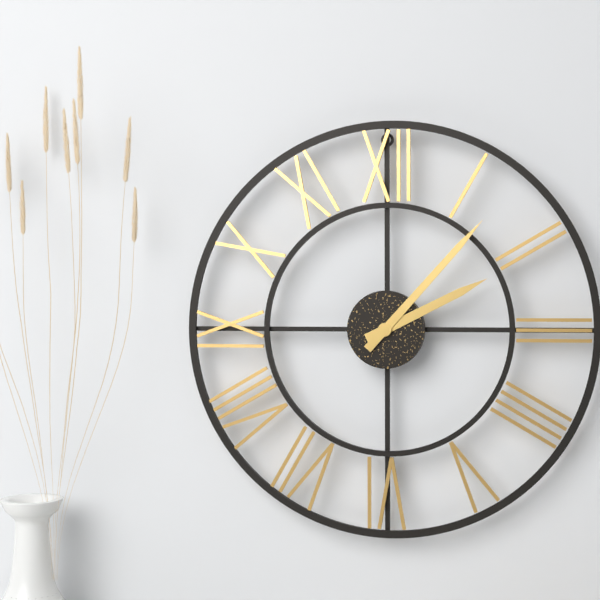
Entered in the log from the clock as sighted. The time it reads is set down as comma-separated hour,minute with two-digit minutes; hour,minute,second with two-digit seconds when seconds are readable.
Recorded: 2,07
